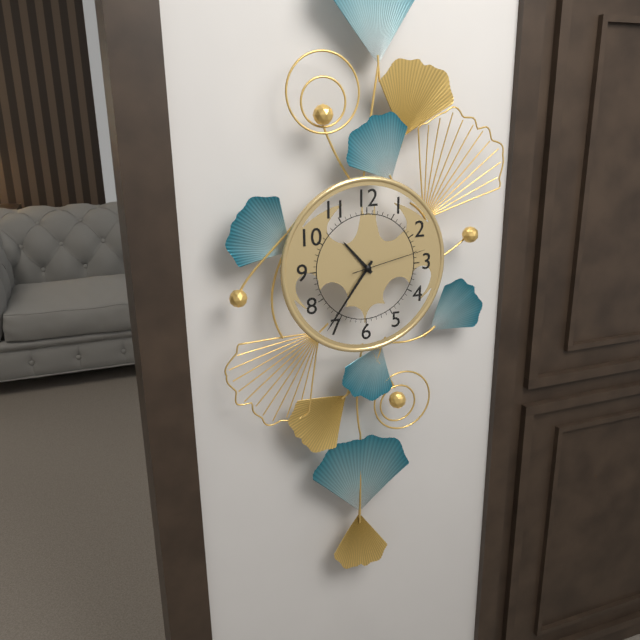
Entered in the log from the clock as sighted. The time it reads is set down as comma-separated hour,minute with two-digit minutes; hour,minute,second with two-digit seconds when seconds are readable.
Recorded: 10,36,13
